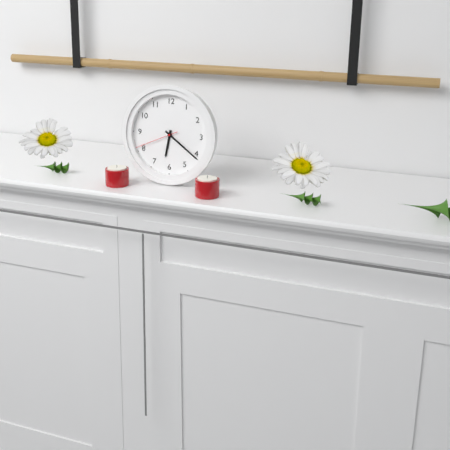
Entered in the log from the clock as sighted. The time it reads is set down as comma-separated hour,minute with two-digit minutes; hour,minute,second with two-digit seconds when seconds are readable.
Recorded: 6,21
